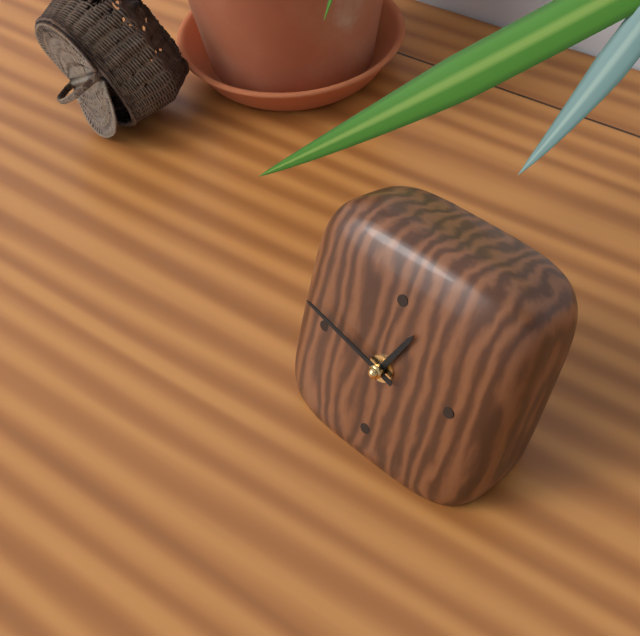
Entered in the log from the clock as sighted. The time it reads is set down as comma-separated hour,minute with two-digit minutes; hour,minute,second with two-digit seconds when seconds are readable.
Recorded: 12,47
